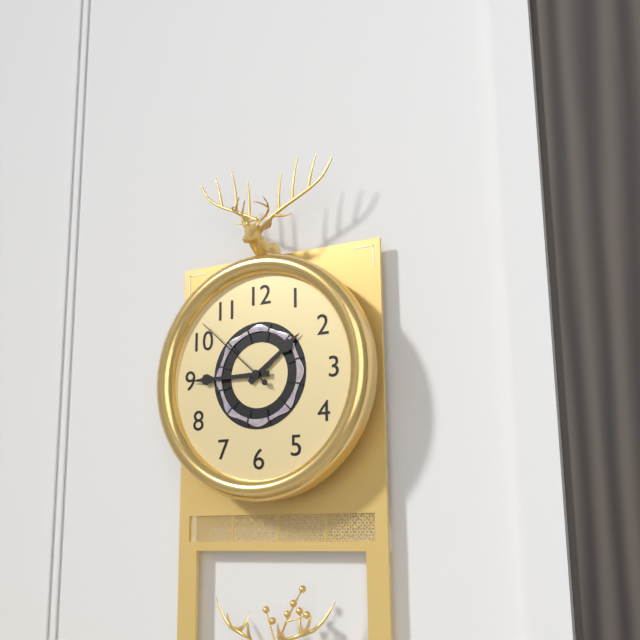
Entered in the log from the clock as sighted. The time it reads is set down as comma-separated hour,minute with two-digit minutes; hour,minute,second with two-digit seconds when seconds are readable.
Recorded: 1,45,52
